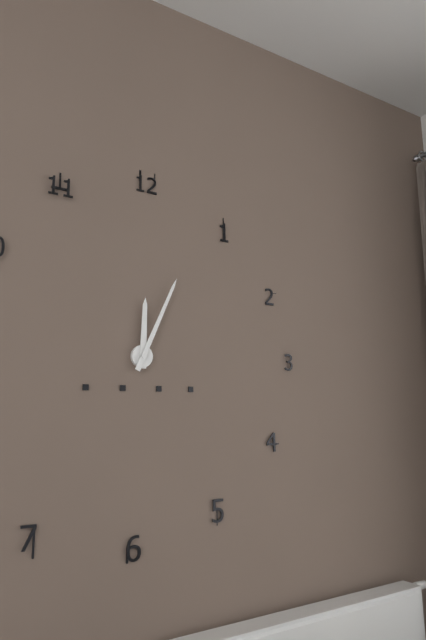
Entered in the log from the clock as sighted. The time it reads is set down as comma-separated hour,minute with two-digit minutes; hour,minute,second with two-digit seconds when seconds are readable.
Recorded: 12,04
